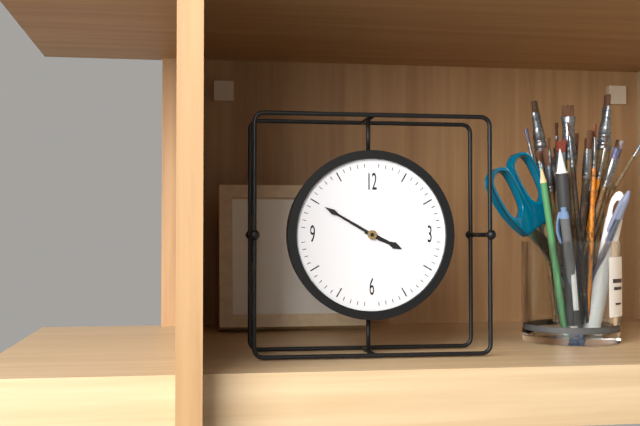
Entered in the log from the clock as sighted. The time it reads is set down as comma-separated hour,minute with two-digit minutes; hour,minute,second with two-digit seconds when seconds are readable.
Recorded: 3,50
